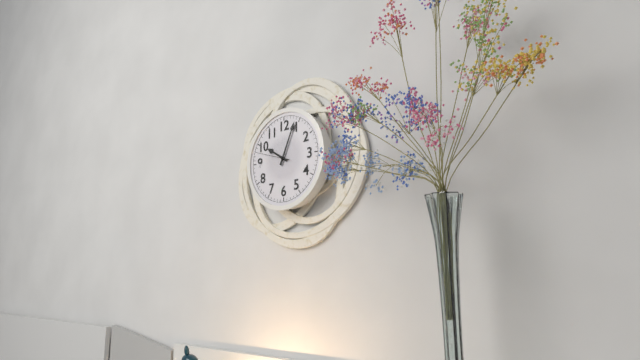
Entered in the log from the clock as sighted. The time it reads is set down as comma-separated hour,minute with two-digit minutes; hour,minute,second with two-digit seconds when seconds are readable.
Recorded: 10,04,48
